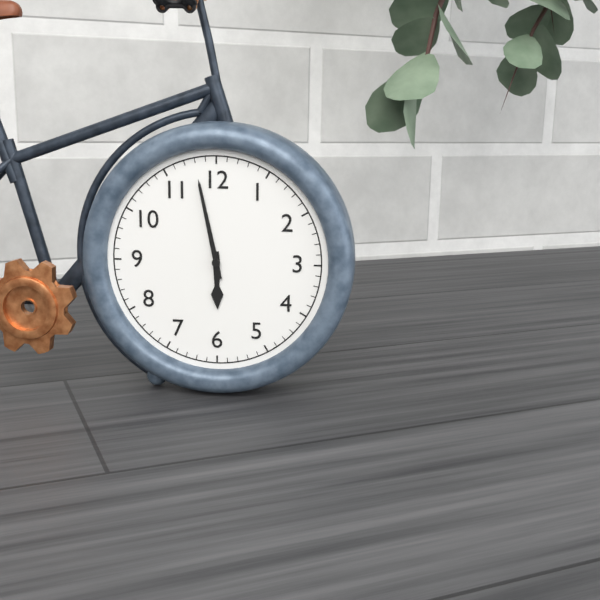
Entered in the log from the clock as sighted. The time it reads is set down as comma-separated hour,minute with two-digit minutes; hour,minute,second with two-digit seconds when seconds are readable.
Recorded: 5,58
